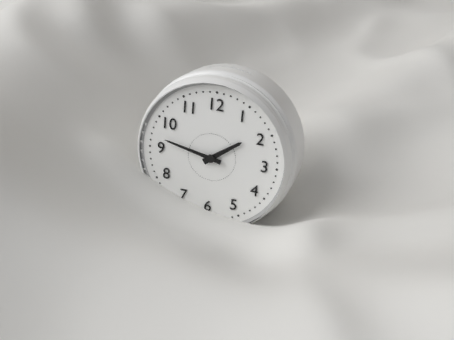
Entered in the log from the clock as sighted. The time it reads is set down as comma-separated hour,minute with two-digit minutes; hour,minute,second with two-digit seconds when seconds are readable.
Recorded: 1,47
